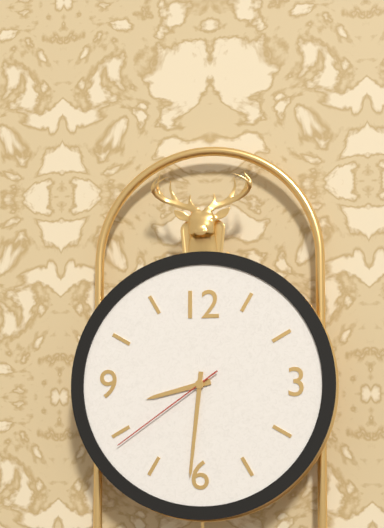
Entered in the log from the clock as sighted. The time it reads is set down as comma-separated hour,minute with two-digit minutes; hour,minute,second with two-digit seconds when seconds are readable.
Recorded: 8,31,39
